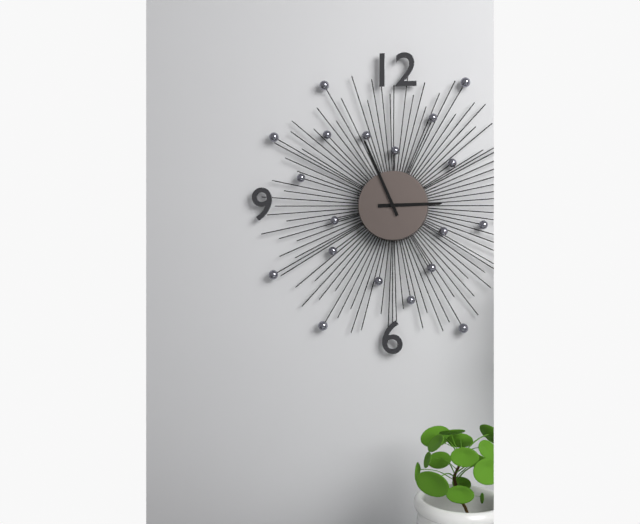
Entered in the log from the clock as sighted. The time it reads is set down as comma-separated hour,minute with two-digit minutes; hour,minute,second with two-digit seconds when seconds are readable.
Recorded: 2,56
